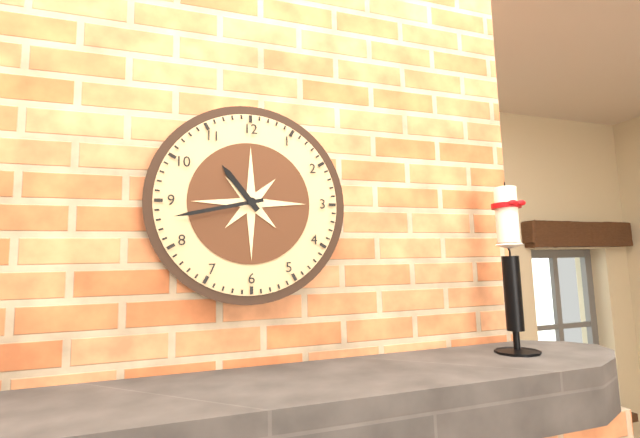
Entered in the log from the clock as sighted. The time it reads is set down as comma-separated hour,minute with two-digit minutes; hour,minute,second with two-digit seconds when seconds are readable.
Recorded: 10,43
